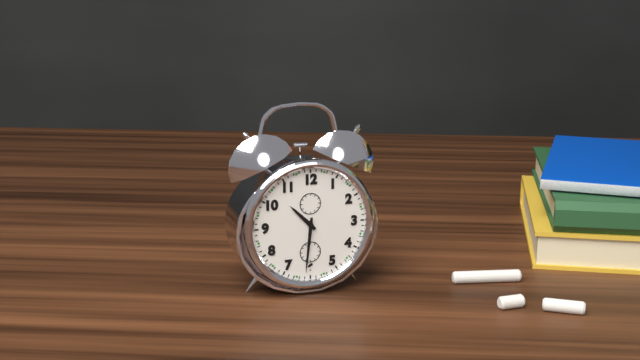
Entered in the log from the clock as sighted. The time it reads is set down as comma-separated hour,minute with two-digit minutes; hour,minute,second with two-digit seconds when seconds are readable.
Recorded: 10,31
